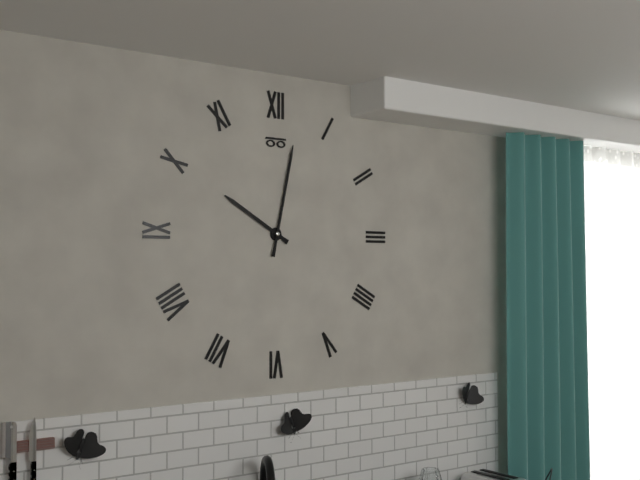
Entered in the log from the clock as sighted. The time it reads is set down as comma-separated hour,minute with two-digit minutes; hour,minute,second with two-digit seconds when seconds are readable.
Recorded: 10,02
